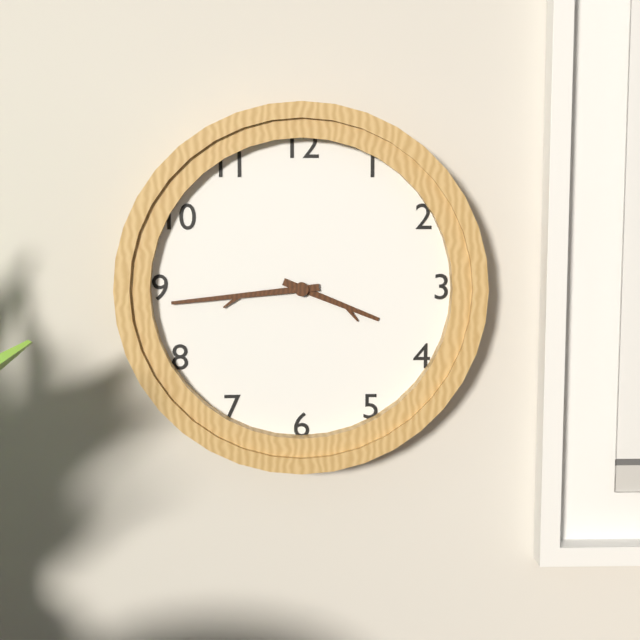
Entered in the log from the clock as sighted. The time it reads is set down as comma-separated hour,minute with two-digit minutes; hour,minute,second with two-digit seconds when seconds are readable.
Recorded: 3,44
